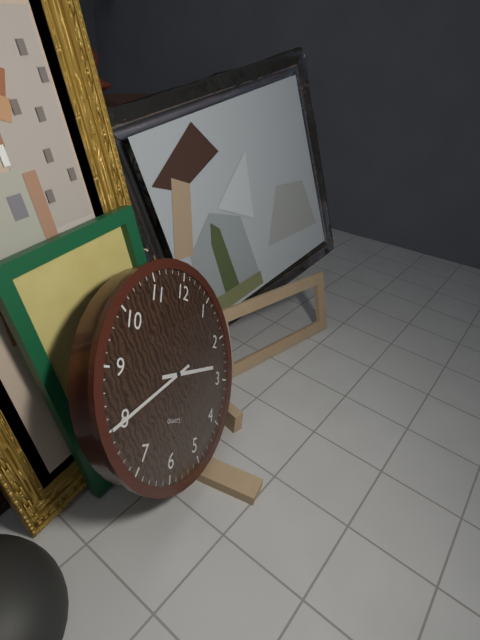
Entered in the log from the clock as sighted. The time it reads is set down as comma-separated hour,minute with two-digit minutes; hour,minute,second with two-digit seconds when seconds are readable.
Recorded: 2,40
